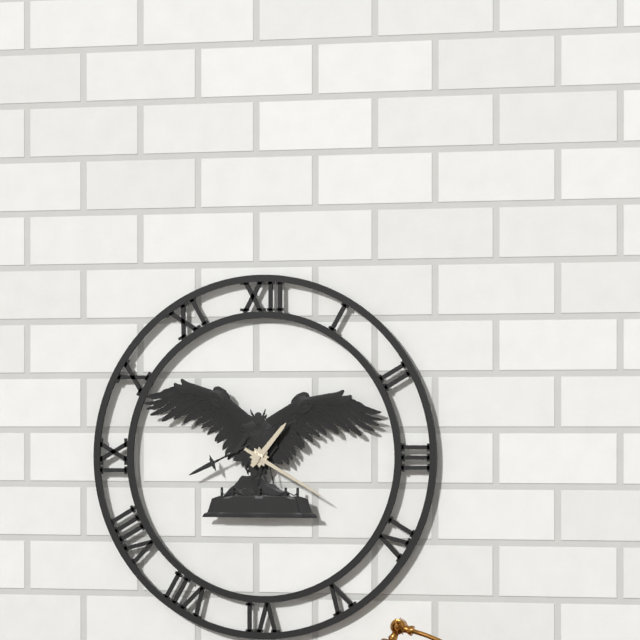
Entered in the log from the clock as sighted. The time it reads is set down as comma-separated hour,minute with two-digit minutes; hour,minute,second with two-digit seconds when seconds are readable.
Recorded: 1,20
